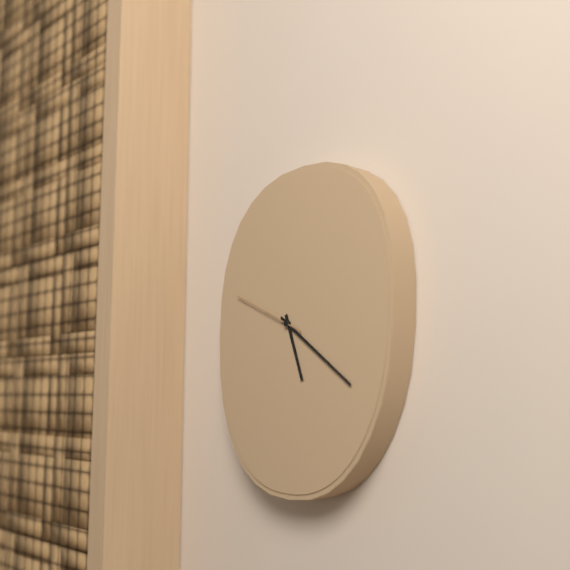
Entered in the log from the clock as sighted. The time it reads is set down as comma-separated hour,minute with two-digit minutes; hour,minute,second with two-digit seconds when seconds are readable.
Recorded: 5,21,49
